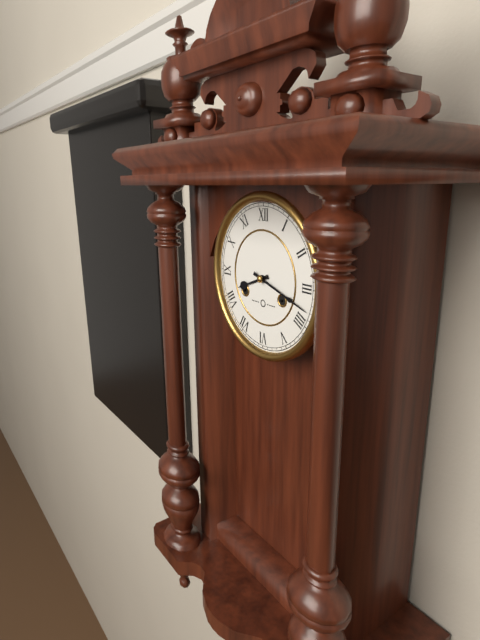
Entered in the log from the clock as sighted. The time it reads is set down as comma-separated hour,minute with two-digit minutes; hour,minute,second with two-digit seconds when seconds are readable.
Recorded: 8,18
